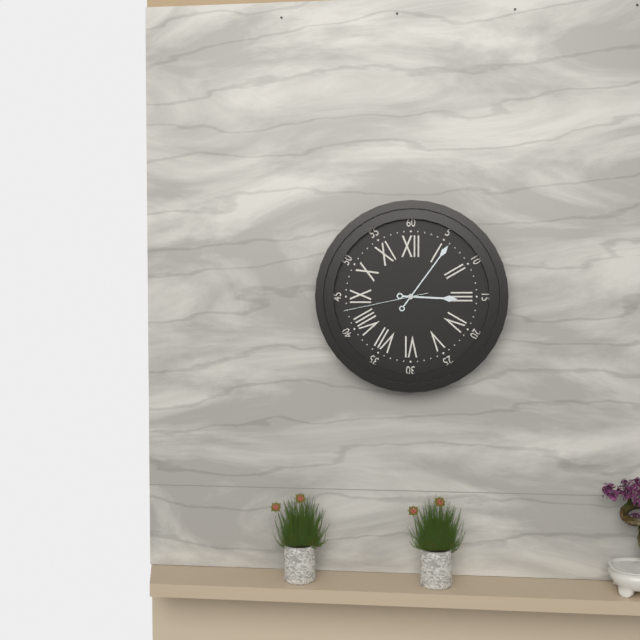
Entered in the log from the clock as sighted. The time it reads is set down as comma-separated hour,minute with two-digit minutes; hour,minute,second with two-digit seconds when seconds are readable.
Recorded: 3,06,43
